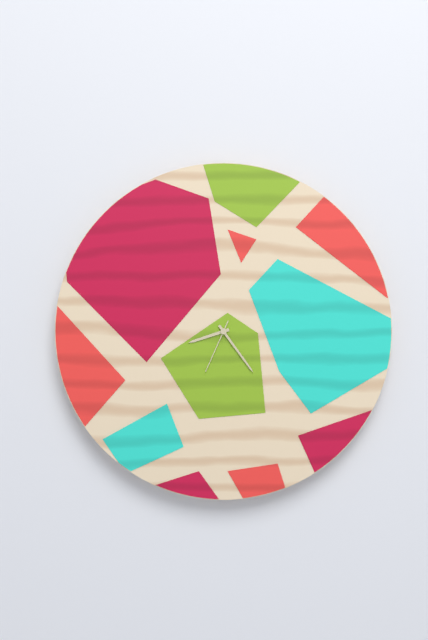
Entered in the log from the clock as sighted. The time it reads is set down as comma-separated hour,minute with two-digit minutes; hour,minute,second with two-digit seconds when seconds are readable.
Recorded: 8,24,34
